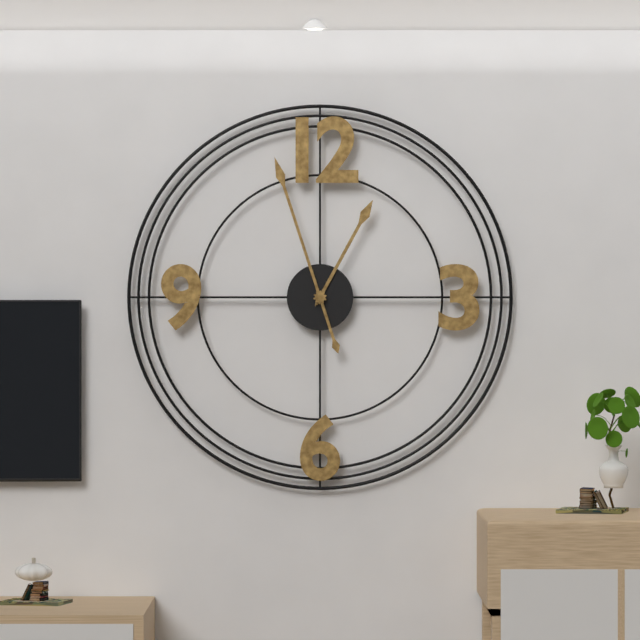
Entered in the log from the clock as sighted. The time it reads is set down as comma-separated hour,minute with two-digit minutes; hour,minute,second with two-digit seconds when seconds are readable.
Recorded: 12,57
